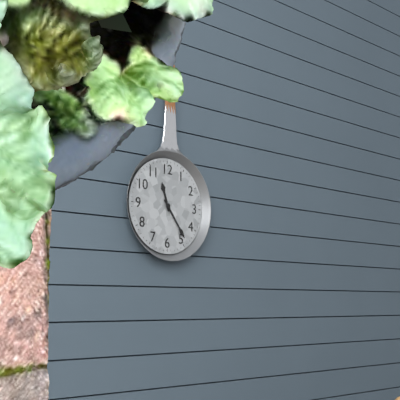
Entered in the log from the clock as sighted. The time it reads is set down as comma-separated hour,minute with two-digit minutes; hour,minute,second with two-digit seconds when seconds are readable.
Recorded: 11,24
